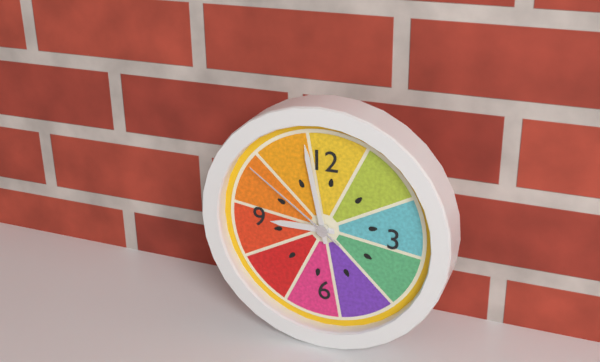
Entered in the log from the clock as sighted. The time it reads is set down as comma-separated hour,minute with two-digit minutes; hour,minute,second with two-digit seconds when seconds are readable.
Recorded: 8,58,51
